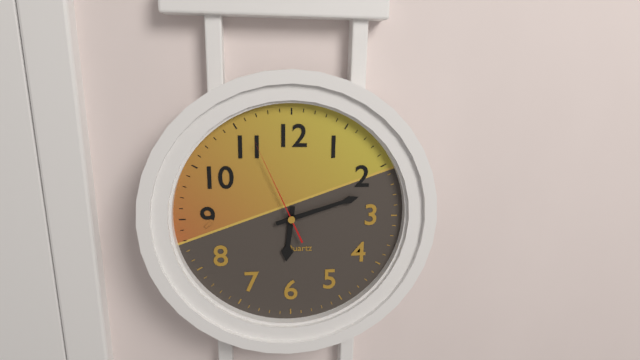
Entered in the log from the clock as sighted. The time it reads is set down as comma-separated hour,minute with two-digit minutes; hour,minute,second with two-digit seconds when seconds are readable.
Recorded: 6,12,56
